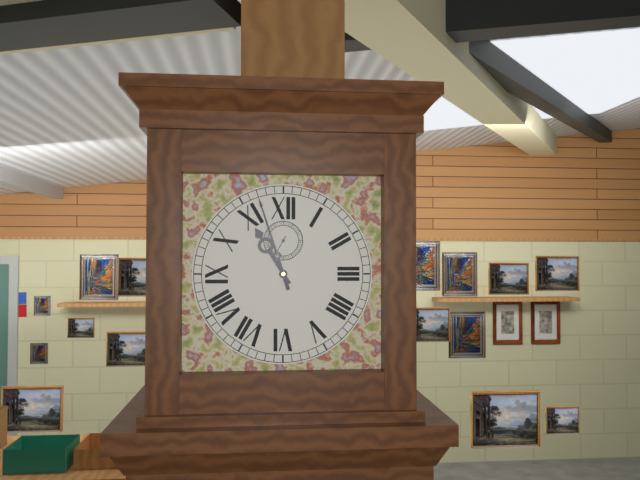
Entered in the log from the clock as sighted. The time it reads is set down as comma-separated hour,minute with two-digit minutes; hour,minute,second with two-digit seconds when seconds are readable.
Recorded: 10,57
